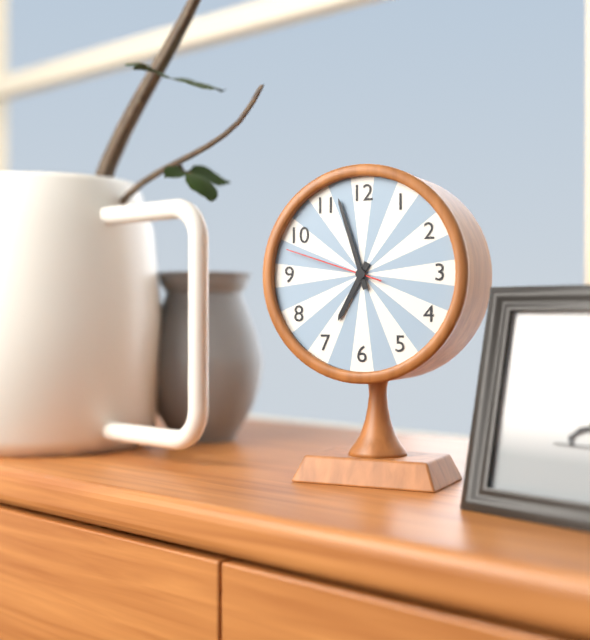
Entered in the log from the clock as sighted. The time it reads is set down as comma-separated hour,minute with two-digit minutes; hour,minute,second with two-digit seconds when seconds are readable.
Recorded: 6,57,48
